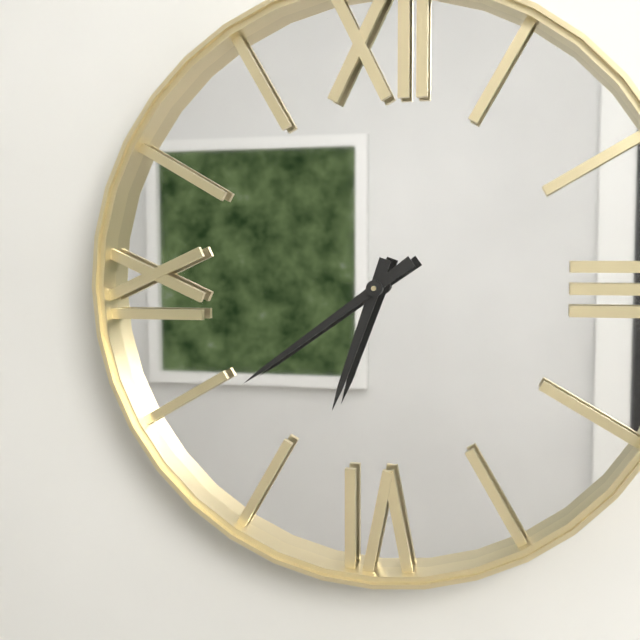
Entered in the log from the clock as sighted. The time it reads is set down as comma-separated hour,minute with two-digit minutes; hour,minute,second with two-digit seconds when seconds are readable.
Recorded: 6,39
